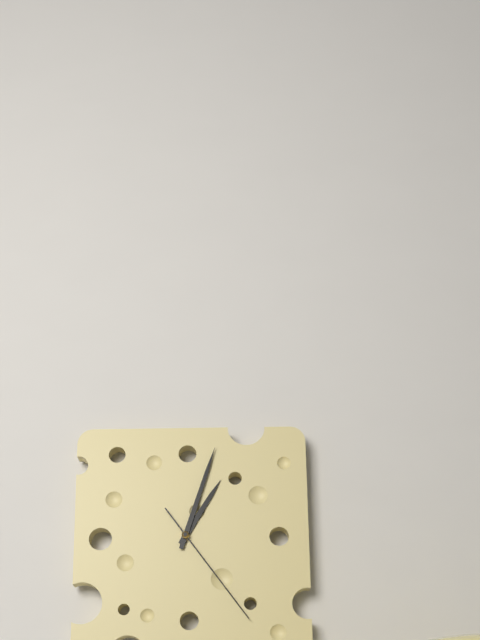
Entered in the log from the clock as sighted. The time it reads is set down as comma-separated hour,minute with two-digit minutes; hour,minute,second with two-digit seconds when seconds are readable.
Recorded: 1,03,24
